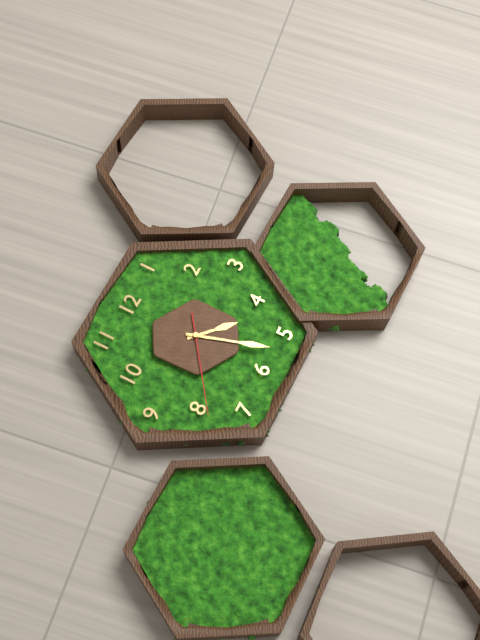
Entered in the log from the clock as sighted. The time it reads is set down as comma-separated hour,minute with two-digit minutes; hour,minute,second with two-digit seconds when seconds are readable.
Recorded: 4,27,39
